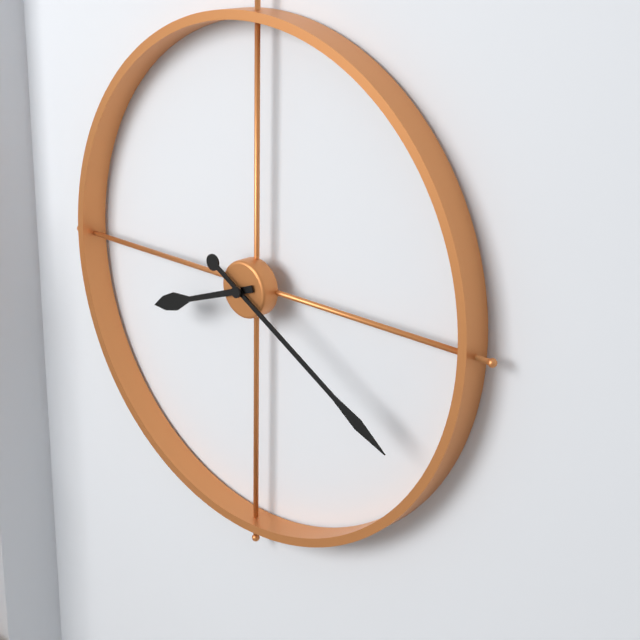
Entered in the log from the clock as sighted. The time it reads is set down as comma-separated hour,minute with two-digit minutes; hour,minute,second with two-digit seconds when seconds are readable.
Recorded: 8,20
